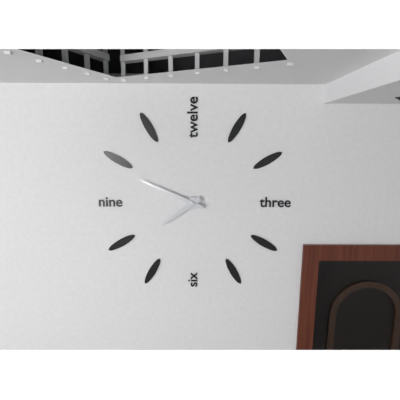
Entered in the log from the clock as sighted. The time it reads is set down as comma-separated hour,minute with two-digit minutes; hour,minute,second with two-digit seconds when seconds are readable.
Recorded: 7,49
